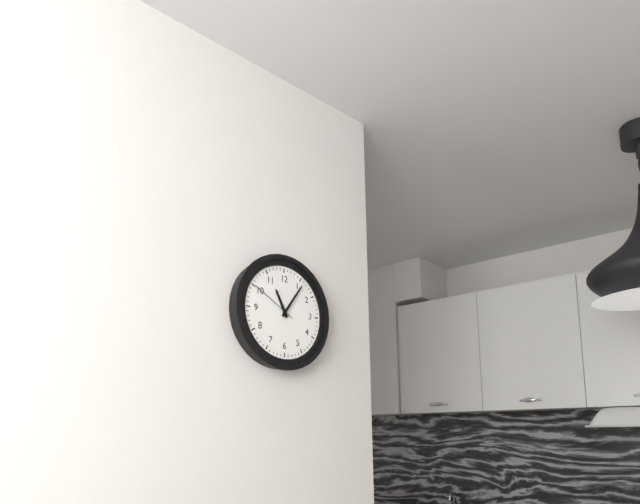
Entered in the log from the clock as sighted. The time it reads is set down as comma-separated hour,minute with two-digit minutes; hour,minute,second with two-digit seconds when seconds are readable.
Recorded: 11,06
